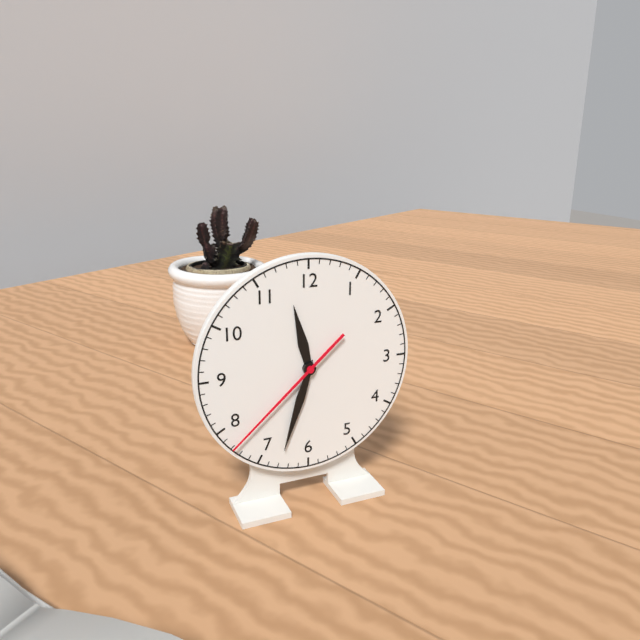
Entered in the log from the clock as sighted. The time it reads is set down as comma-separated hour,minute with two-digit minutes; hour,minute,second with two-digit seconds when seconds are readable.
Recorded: 11,33,38
